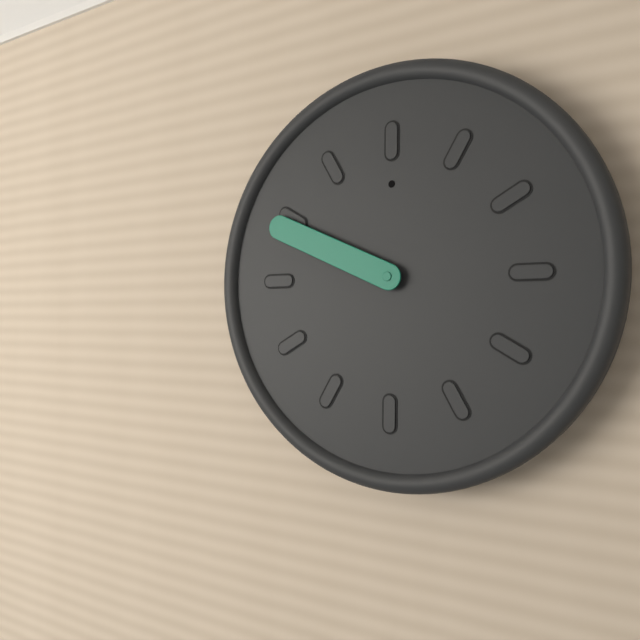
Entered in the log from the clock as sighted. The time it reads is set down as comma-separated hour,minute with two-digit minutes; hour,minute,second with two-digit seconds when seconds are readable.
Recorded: 9,49
